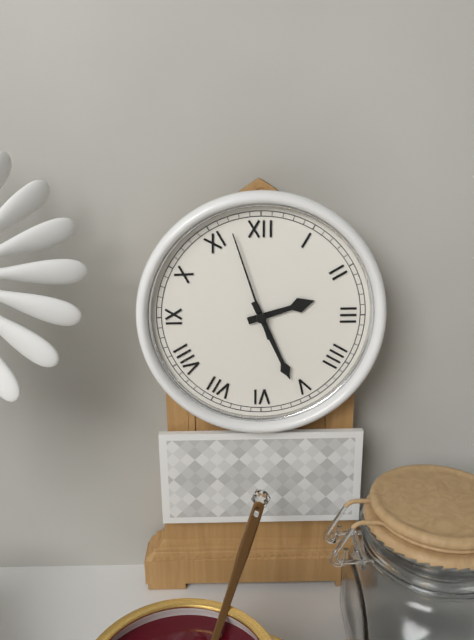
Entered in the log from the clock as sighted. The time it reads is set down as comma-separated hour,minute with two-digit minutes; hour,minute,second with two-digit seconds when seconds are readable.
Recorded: 2,26,57
